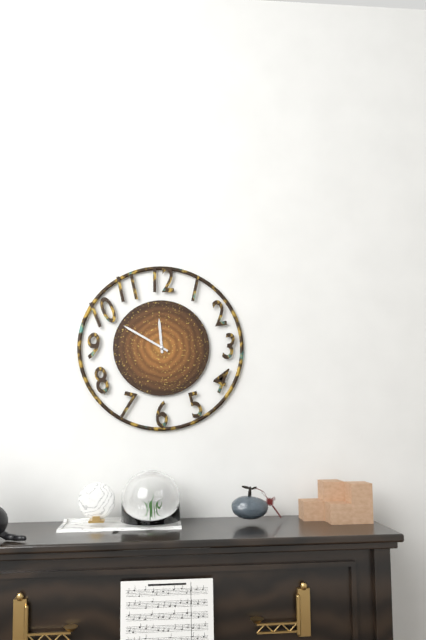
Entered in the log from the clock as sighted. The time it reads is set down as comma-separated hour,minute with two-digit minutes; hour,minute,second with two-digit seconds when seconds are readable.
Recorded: 11,50
